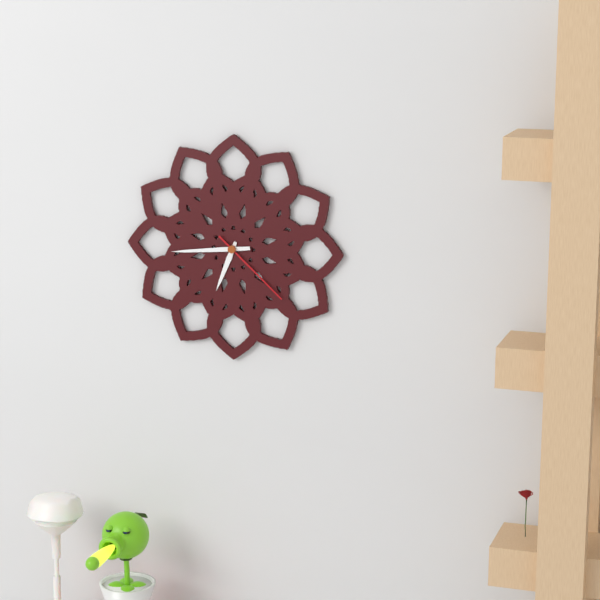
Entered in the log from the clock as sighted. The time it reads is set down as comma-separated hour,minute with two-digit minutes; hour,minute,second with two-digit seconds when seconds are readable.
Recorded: 6,44,22
